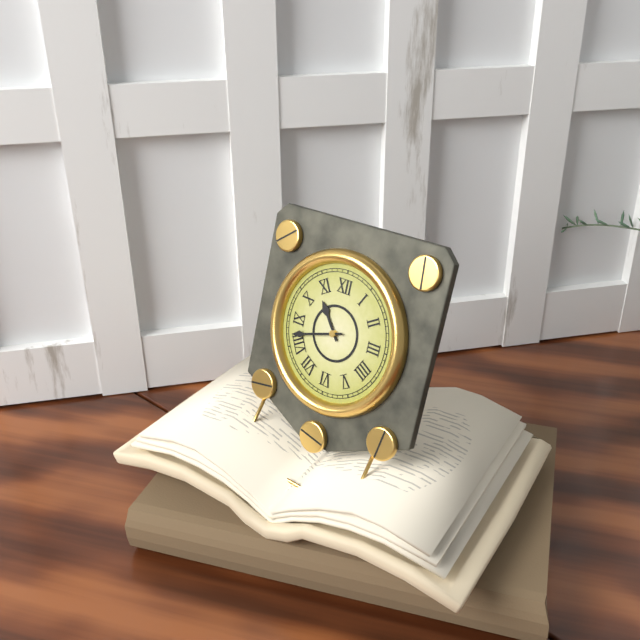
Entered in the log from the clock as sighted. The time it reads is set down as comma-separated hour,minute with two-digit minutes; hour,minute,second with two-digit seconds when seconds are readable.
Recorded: 10,42
